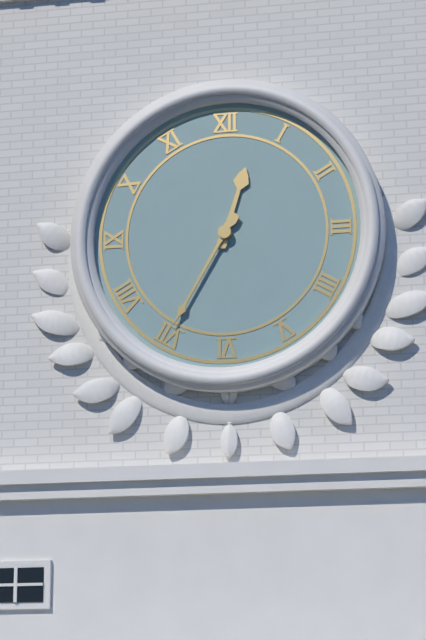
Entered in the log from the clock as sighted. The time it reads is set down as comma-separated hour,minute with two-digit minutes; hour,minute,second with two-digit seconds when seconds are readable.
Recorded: 12,35
